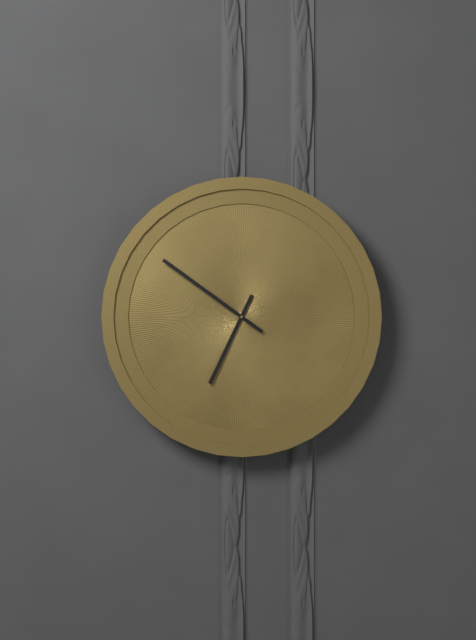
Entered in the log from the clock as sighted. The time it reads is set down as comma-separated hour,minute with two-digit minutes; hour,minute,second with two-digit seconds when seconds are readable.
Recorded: 6,51
